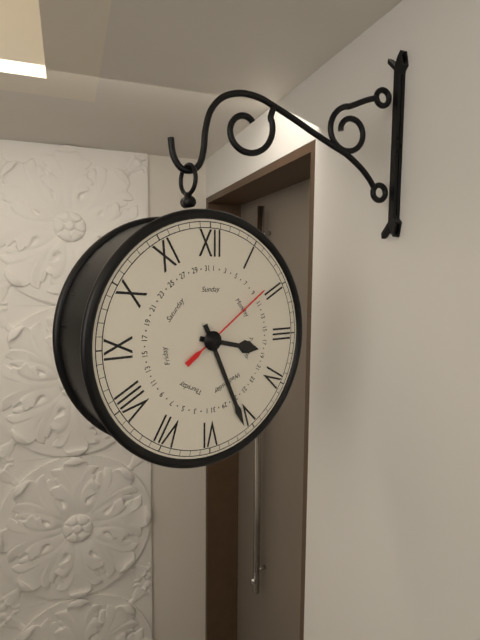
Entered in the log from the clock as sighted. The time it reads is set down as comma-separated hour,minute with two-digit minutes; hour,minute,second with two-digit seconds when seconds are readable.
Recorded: 3,26,09
